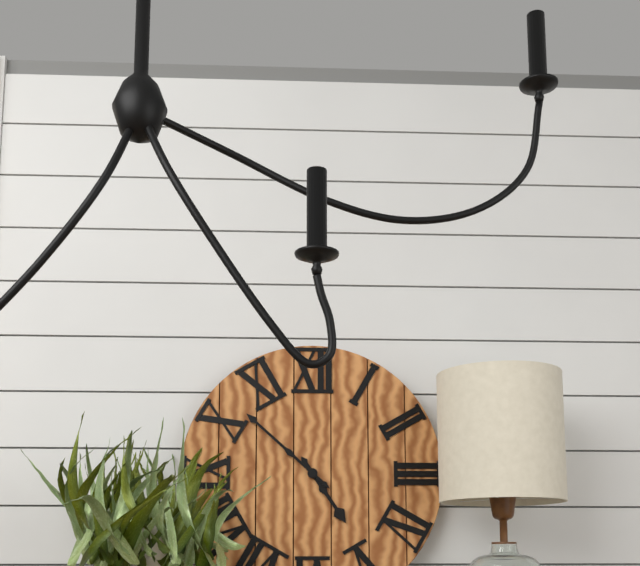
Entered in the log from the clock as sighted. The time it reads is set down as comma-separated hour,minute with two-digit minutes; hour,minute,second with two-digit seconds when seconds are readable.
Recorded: 4,52
